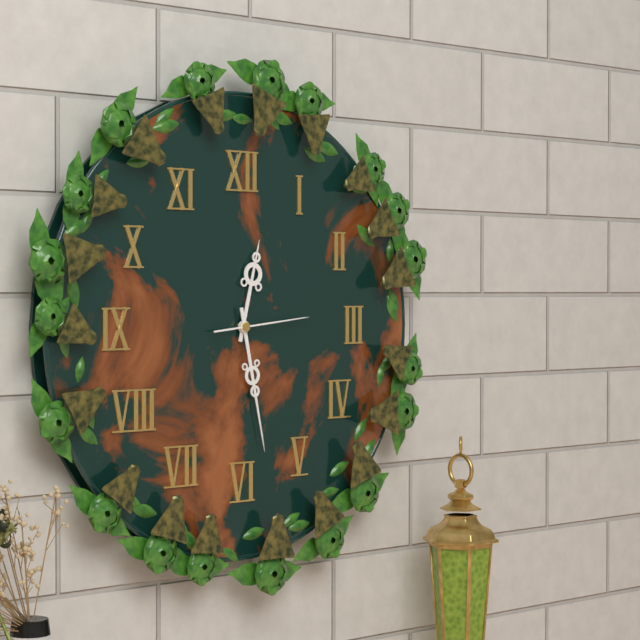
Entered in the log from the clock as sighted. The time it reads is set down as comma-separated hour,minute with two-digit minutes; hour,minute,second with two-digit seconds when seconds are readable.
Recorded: 12,28,14
